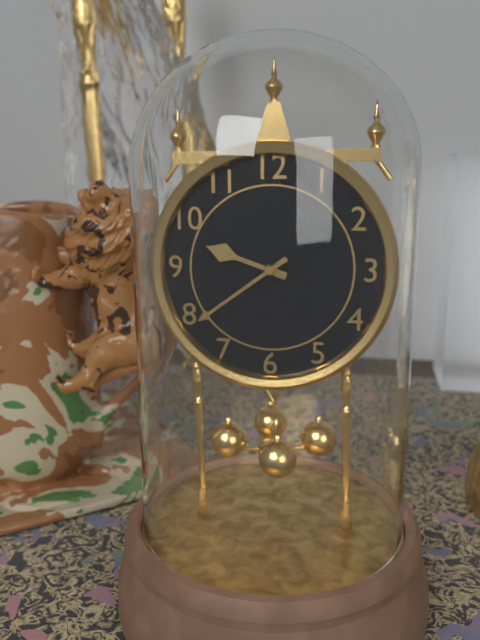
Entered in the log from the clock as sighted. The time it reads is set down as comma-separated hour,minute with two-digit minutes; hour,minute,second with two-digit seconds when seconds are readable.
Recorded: 9,39
